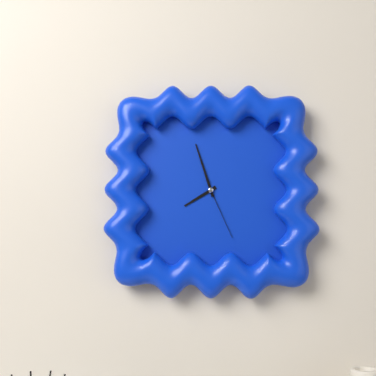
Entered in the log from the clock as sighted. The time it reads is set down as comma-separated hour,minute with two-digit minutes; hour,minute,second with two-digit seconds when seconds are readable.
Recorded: 7,57,26
